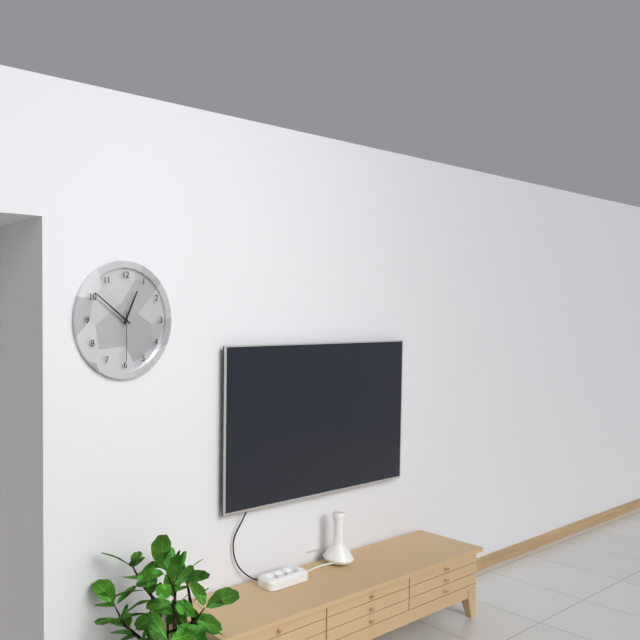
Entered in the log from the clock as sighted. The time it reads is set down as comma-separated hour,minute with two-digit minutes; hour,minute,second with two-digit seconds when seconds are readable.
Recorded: 12,51,30
